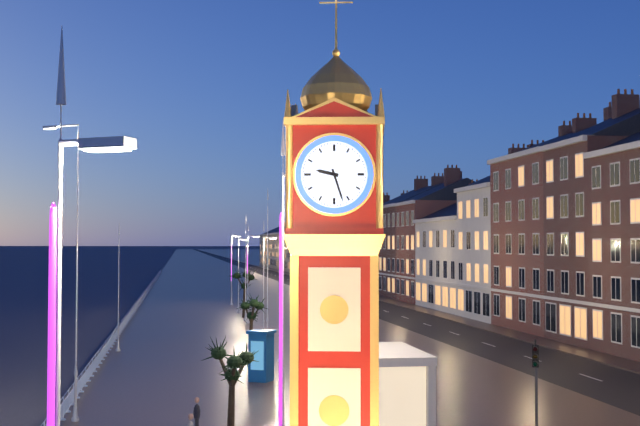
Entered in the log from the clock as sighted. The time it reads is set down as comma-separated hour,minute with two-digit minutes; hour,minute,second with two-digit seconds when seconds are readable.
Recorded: 9,27
